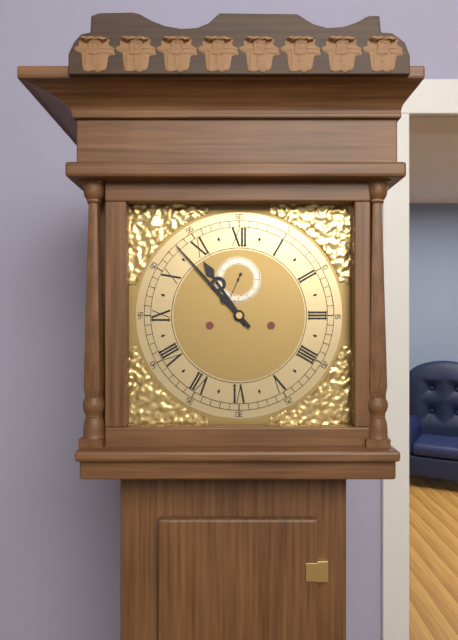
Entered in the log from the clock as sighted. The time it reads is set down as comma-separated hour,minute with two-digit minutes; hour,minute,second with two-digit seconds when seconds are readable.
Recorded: 10,53
